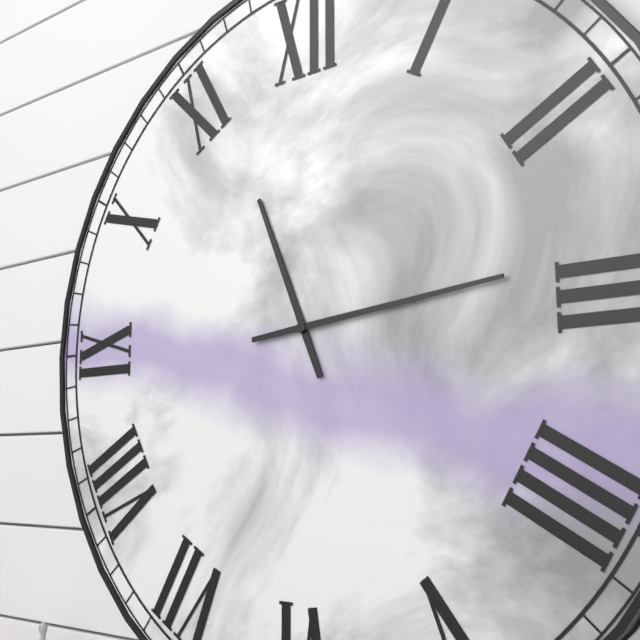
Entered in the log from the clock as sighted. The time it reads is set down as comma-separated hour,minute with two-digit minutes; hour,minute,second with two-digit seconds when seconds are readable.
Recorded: 11,14
